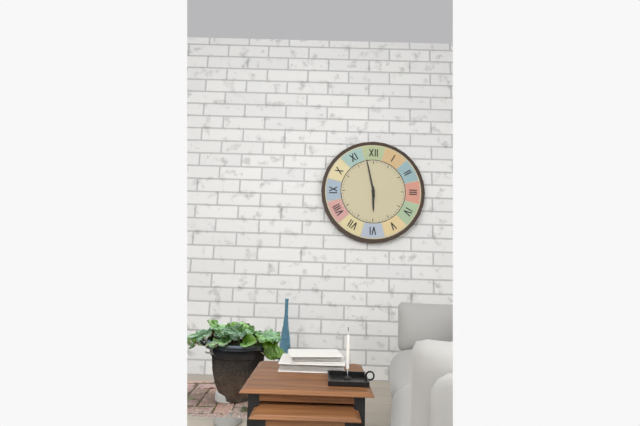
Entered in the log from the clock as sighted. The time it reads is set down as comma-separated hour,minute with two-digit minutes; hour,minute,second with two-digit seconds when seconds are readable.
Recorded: 5,58
